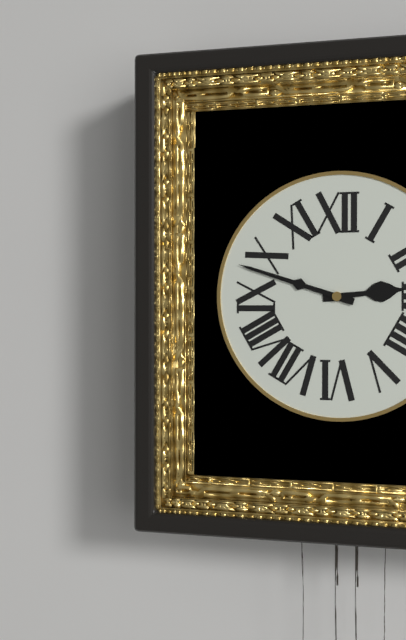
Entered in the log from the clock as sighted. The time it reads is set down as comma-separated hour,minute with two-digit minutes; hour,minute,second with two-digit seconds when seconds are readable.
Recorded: 2,48
